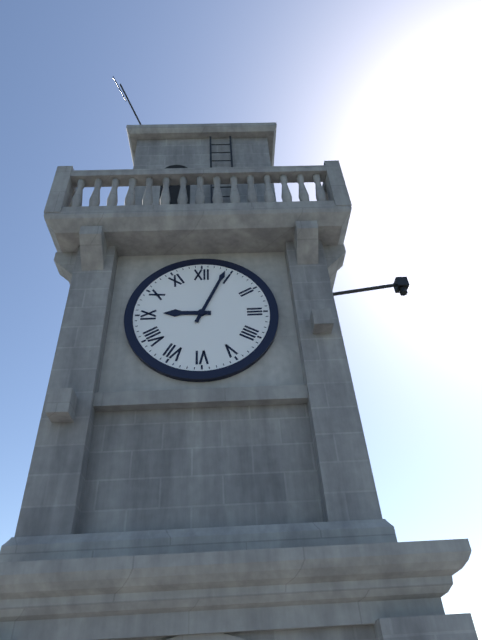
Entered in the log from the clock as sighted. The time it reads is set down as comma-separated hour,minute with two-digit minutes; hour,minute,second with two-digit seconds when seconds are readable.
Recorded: 9,04
